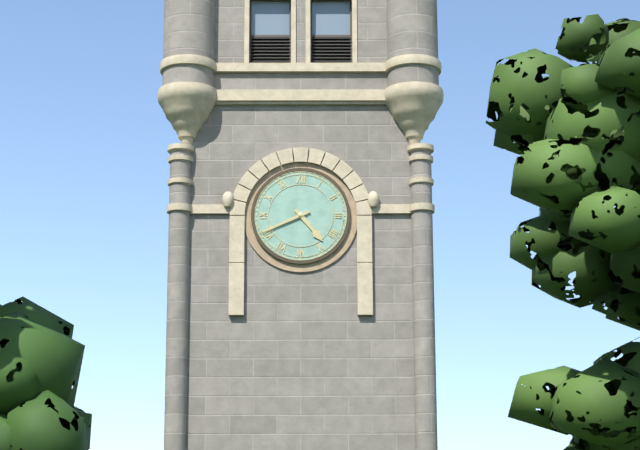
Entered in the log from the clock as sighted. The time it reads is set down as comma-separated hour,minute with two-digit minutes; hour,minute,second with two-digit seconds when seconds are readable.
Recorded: 4,41
